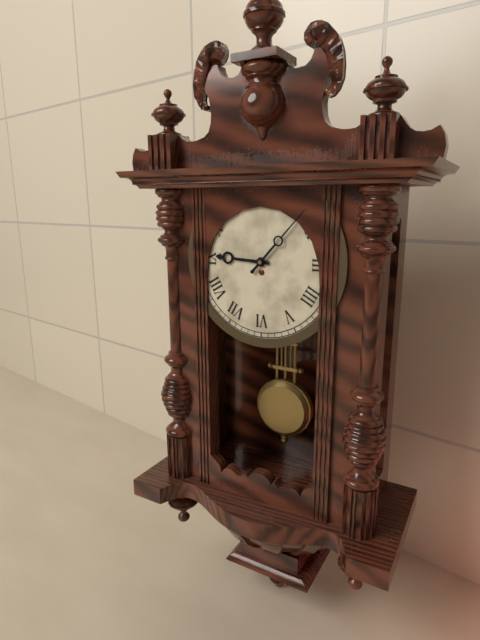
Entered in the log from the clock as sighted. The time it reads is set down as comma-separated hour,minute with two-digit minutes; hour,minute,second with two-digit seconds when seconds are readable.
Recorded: 9,07
